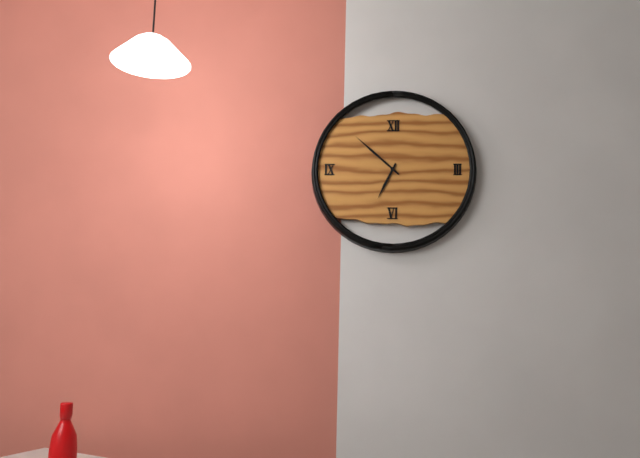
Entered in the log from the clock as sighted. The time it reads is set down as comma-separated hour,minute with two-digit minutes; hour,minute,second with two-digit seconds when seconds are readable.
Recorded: 6,52
